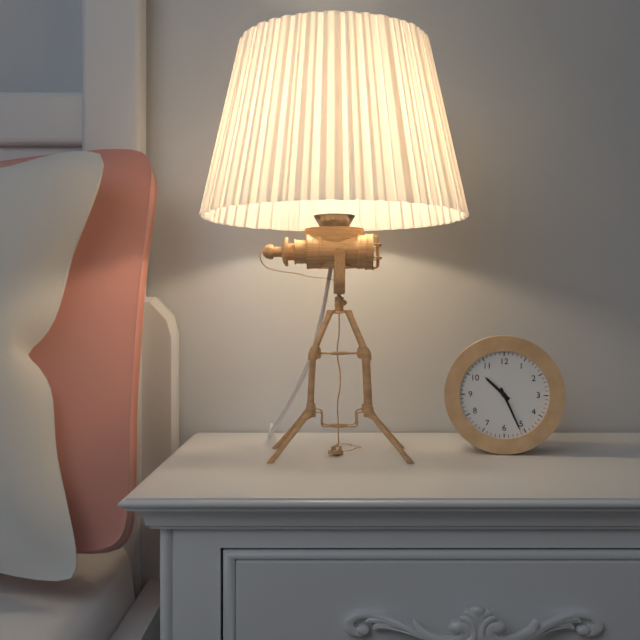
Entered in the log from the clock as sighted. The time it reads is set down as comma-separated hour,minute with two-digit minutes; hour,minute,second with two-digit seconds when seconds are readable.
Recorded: 10,26
